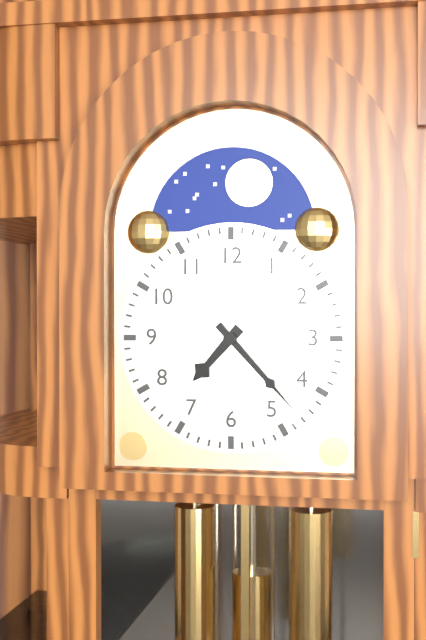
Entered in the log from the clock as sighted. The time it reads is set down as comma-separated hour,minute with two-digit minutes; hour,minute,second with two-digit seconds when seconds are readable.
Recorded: 7,23
